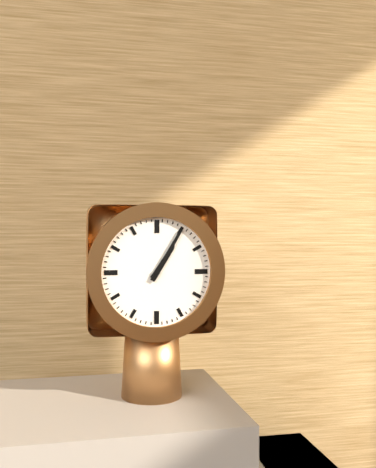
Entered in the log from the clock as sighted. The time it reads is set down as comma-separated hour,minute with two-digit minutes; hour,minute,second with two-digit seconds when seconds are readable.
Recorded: 1,05
